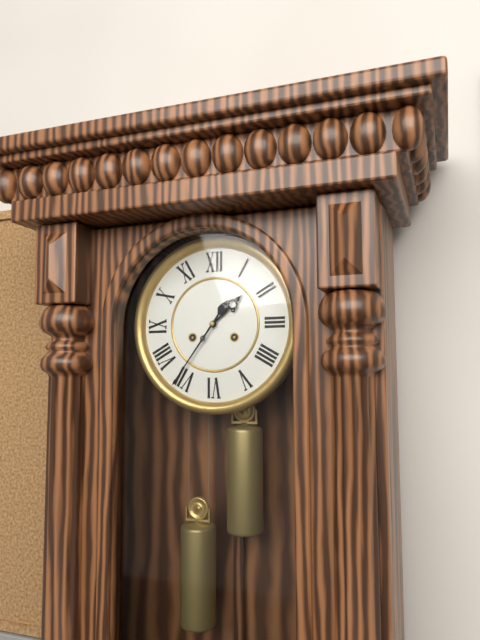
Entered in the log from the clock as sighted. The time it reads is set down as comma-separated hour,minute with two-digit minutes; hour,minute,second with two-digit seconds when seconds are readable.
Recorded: 1,36
